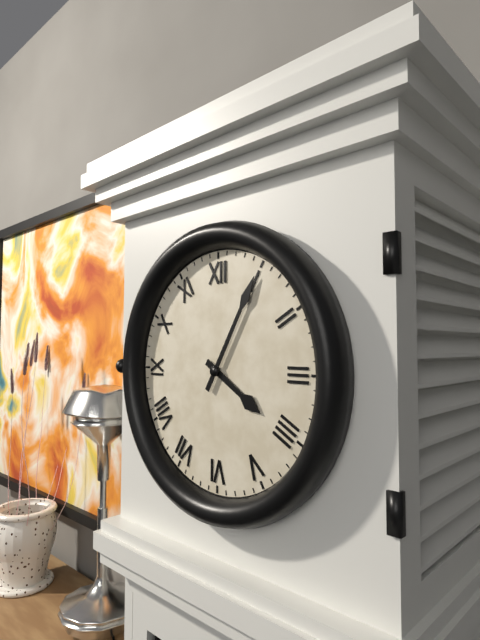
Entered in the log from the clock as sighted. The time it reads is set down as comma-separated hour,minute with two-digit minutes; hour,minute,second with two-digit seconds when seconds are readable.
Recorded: 4,05
